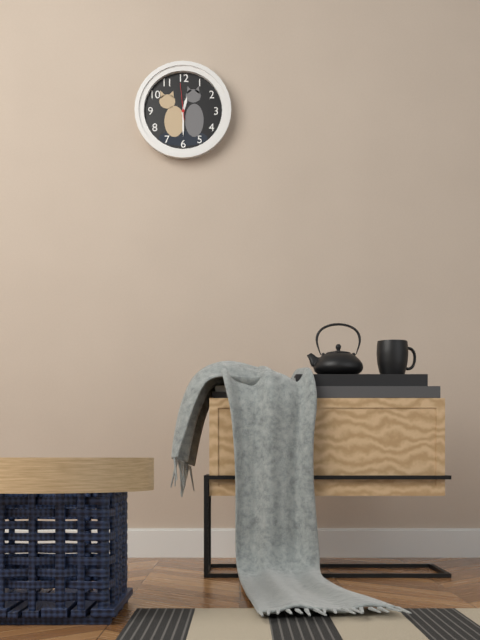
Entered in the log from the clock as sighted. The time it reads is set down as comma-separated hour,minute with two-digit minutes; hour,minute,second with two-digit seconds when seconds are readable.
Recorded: 12,30
